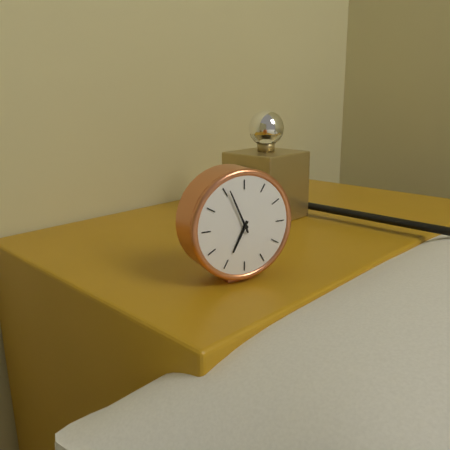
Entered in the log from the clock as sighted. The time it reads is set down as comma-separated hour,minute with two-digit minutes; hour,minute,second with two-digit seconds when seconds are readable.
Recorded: 6,56
